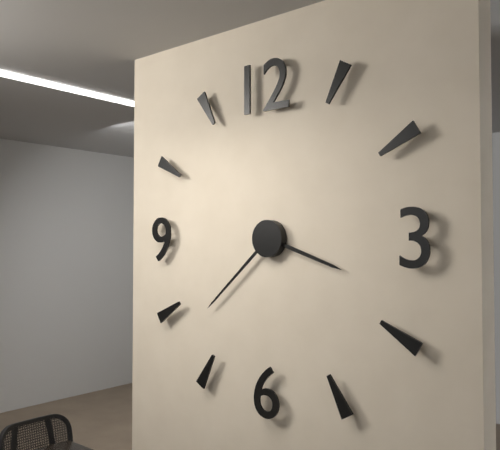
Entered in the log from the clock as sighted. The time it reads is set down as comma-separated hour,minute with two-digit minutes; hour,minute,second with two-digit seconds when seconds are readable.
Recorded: 3,38
